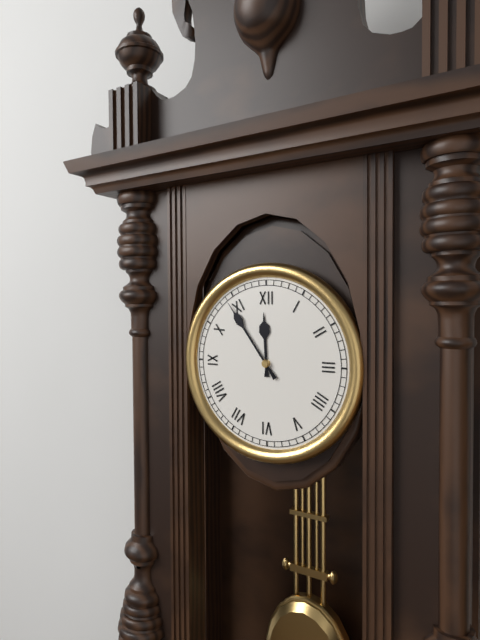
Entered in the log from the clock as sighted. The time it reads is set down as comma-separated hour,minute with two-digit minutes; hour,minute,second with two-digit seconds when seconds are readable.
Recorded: 11,54
